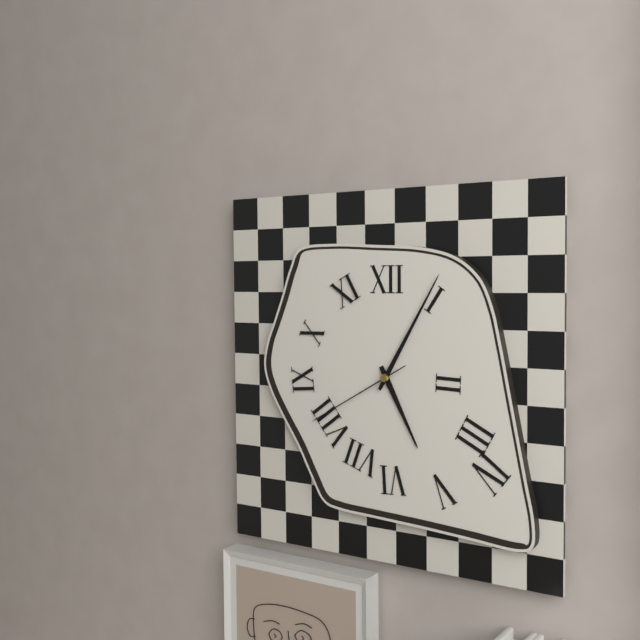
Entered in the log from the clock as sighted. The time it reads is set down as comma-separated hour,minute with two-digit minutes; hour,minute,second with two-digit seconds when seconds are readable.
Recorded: 5,05,40
